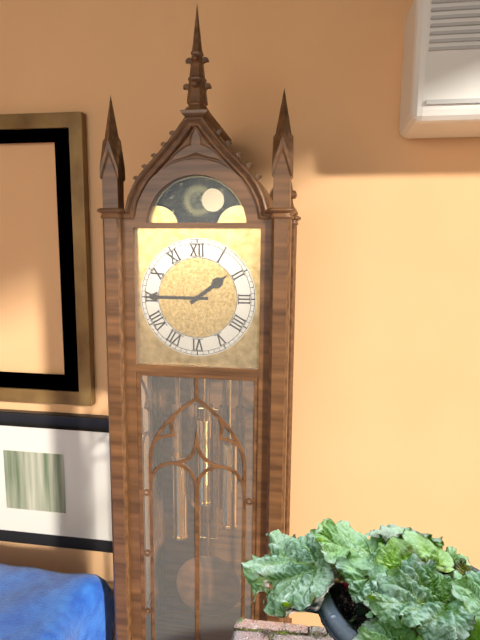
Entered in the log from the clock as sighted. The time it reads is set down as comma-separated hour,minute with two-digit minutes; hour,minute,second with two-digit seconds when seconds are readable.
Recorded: 1,45
